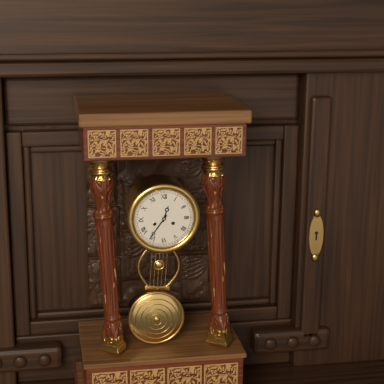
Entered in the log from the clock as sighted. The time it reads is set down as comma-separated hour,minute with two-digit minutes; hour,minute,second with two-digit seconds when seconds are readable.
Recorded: 12,36
